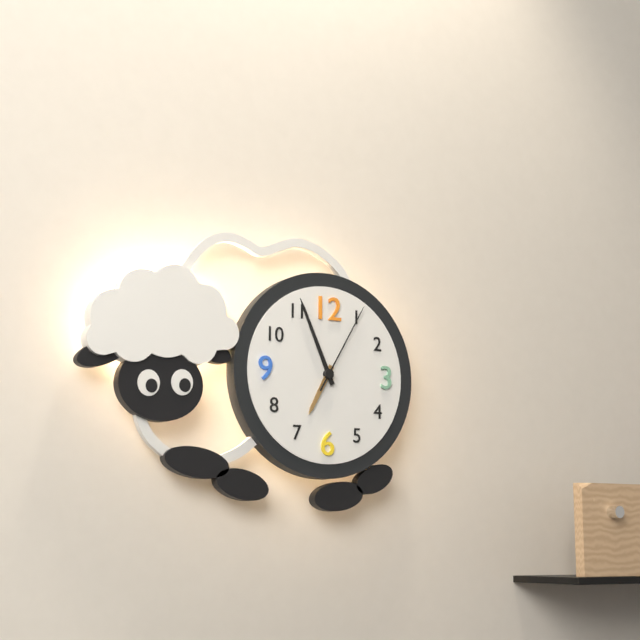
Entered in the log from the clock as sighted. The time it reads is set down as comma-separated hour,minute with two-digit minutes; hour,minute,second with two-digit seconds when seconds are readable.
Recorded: 6,56,05
